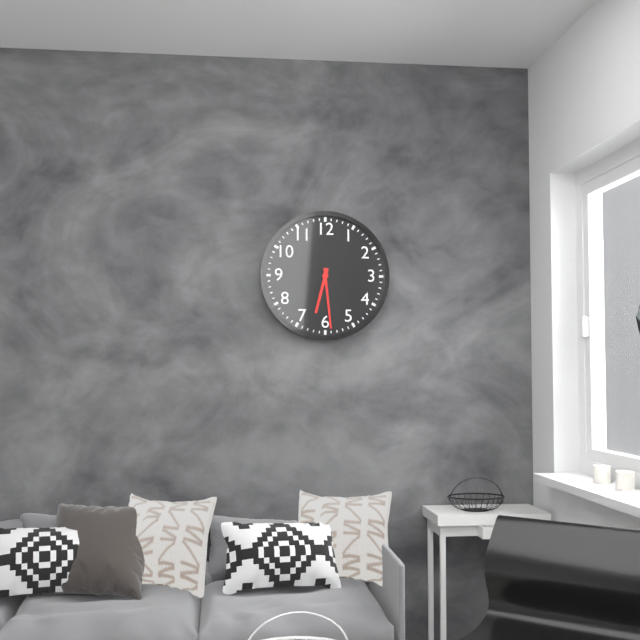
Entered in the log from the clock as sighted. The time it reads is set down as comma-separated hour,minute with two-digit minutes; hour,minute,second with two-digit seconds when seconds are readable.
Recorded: 6,29
